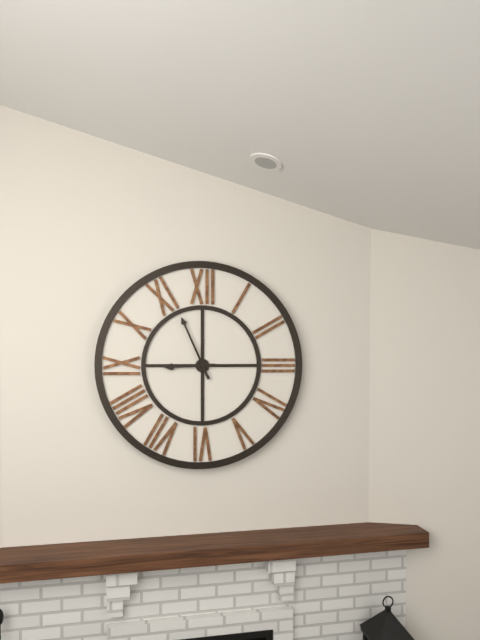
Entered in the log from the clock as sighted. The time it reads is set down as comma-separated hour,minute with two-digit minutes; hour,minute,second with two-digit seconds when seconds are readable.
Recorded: 8,56
